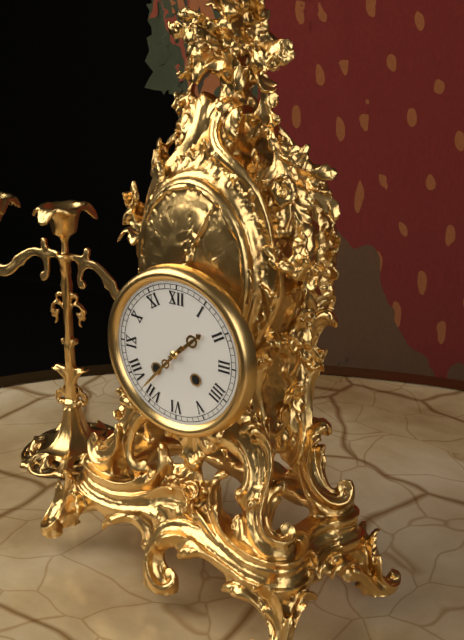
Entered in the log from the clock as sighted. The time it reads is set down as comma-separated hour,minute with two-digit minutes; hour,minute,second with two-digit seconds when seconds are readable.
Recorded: 1,37
